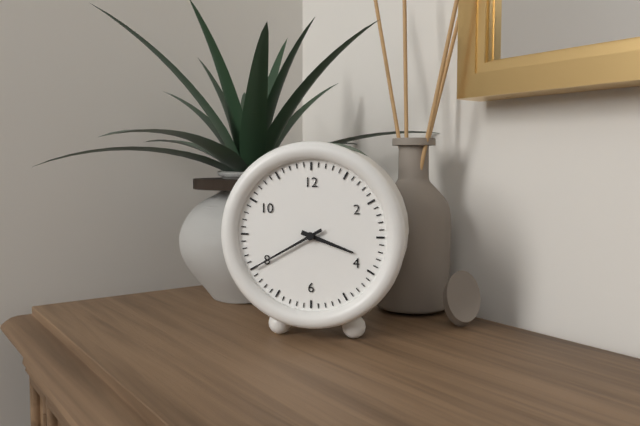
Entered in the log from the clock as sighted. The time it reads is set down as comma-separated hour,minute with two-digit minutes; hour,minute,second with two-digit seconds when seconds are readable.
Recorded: 3,40
